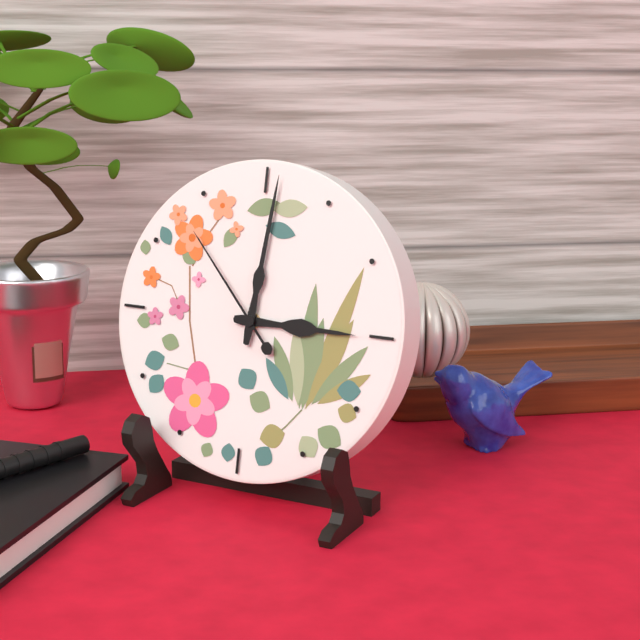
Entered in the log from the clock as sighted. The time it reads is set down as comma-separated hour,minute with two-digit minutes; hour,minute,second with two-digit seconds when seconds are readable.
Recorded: 3,01,53
